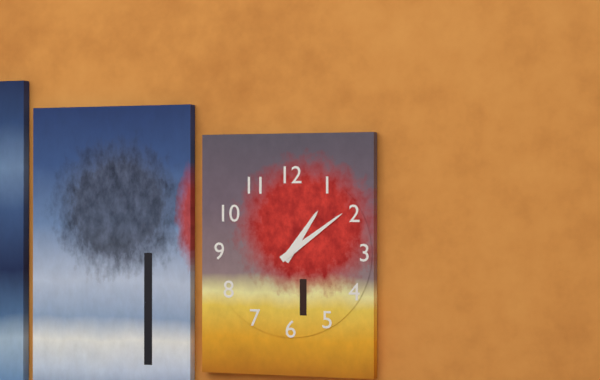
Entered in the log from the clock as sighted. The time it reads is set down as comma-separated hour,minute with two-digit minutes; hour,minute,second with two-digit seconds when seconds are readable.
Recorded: 1,09
